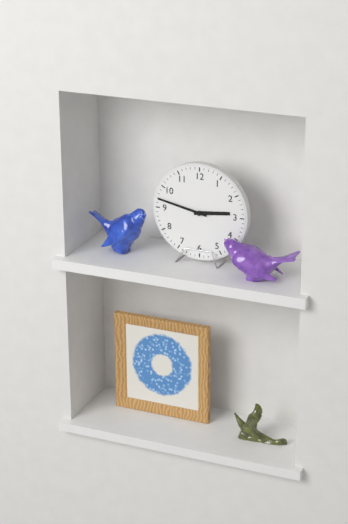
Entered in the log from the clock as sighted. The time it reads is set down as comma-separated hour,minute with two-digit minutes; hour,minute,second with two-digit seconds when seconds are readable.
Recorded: 2,47
